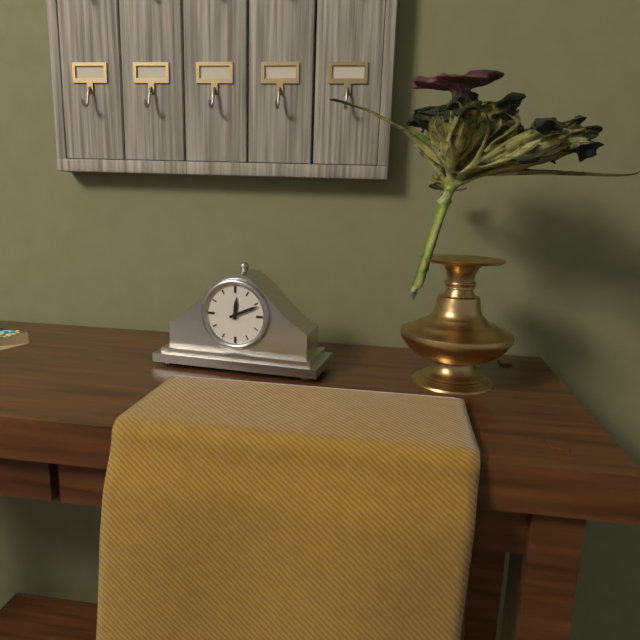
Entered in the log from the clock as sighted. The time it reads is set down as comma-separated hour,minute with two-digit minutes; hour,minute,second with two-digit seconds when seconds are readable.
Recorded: 12,11
